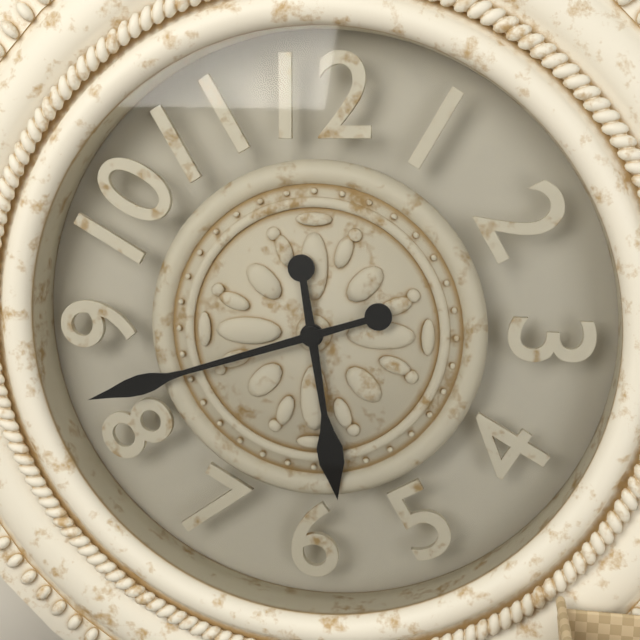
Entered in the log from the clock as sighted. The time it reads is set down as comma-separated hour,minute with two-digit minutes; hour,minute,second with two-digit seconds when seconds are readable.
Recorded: 5,42
